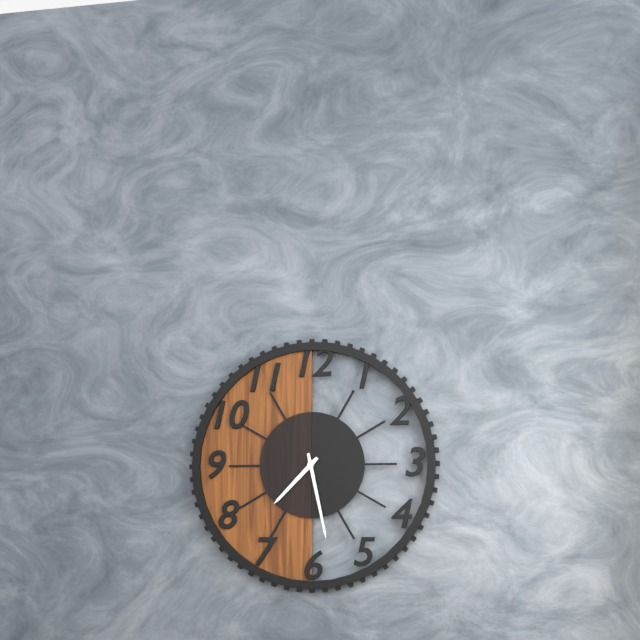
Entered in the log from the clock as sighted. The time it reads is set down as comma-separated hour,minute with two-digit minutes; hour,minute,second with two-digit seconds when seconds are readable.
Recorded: 7,28
